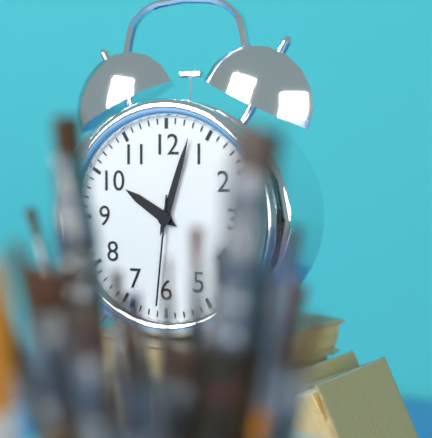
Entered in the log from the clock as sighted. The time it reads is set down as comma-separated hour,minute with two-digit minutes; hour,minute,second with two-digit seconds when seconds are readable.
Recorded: 10,03,31
